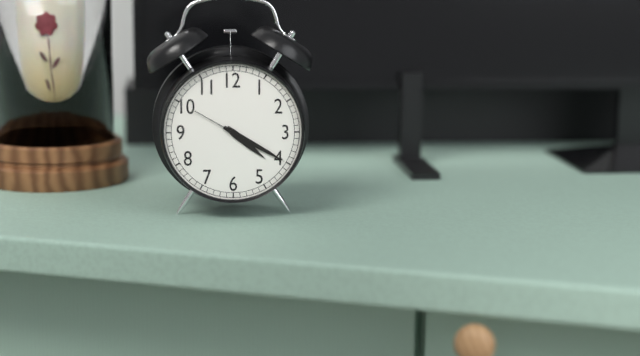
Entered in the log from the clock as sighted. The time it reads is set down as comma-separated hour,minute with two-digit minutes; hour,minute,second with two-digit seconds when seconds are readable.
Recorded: 4,20,50
